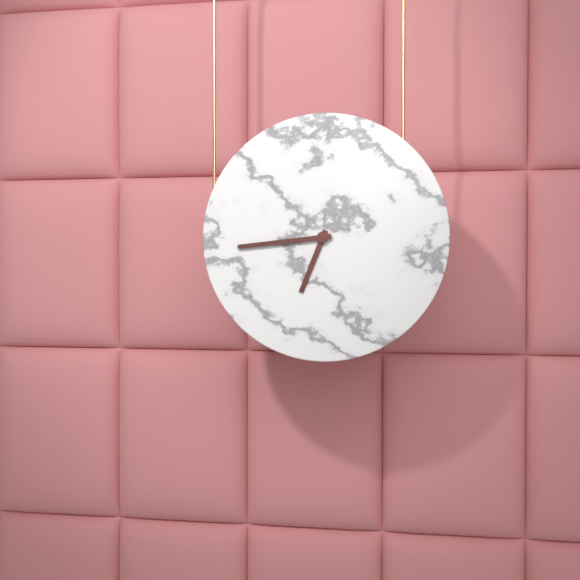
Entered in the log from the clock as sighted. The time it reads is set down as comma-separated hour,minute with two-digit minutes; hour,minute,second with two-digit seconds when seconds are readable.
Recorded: 6,44
